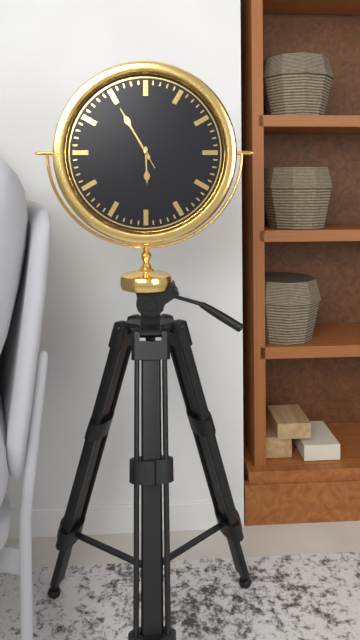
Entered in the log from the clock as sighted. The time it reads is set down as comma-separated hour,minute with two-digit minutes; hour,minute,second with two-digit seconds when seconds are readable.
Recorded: 5,55,55
